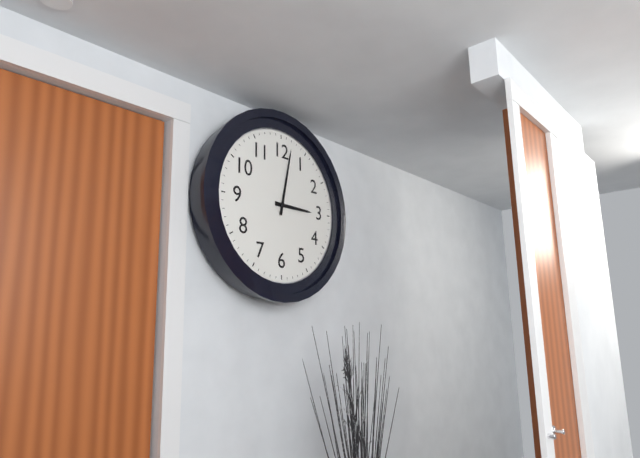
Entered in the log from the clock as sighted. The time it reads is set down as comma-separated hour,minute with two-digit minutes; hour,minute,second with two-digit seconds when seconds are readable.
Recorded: 3,02
